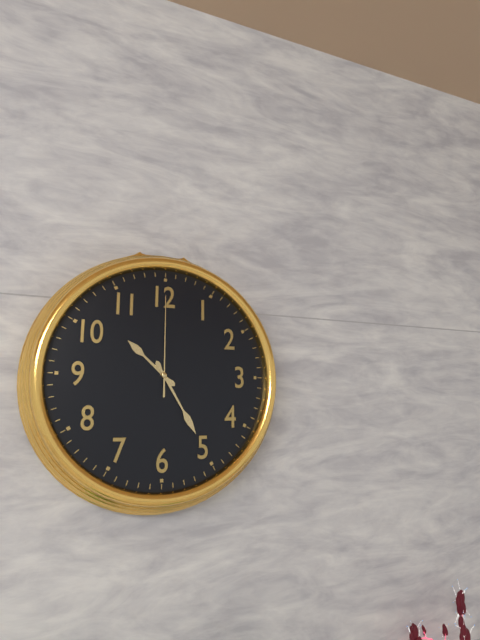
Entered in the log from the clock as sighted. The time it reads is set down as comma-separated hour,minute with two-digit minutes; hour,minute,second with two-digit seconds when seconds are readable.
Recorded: 10,25,00
